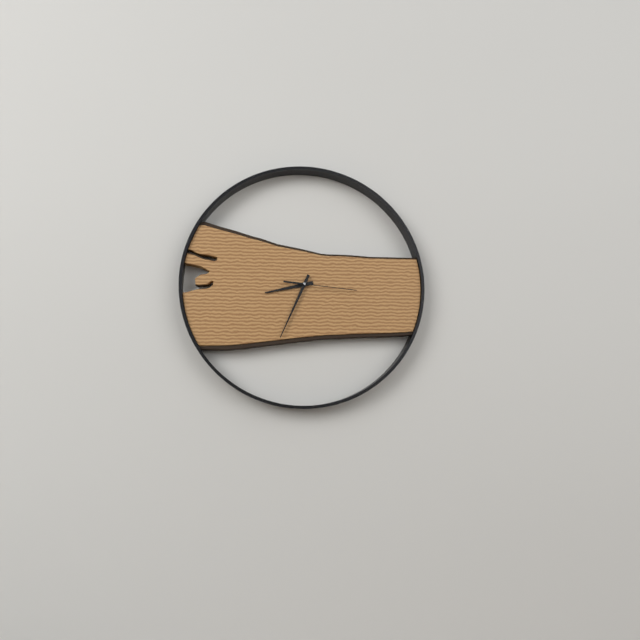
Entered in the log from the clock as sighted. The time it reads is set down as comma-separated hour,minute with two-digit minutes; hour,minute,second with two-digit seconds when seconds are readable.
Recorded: 8,34,16
